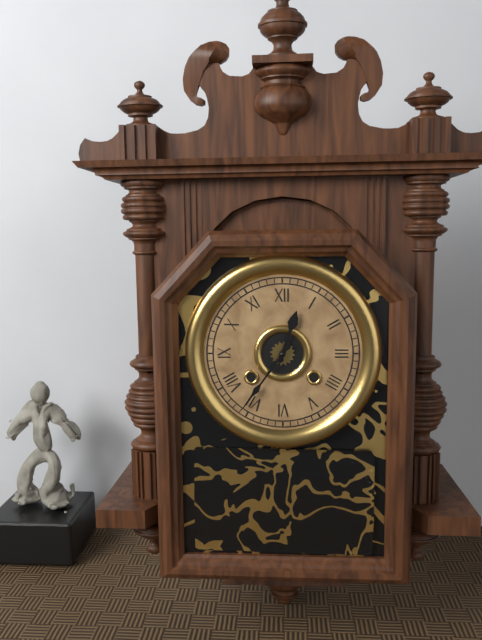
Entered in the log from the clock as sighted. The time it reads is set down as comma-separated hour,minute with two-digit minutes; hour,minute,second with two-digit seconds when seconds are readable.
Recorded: 12,36
